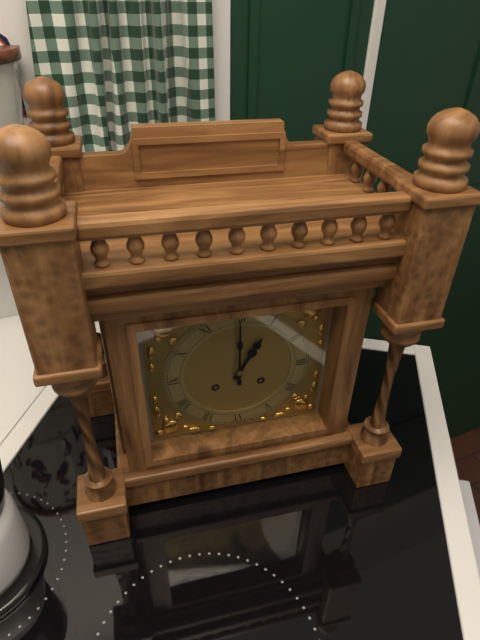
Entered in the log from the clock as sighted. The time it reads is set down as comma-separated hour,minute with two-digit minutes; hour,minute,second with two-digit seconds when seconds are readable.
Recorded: 1,00
